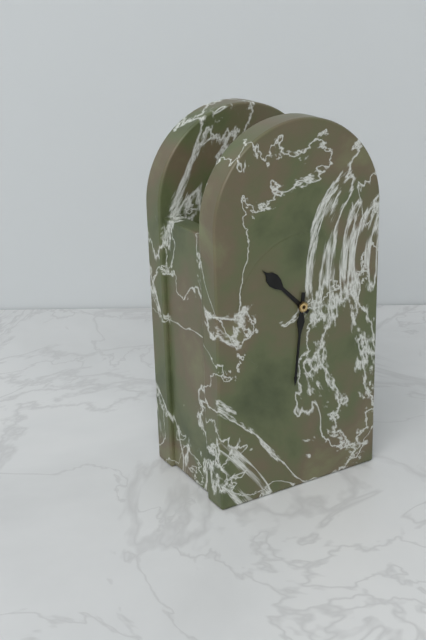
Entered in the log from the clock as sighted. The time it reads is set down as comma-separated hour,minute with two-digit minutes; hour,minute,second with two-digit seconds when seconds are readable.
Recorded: 10,31
